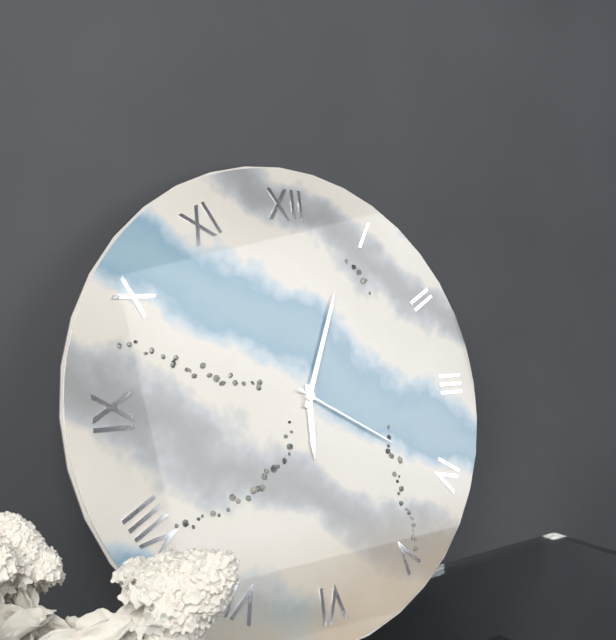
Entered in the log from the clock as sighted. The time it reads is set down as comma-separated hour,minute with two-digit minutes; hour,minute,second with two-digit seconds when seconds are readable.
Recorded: 6,04,20
